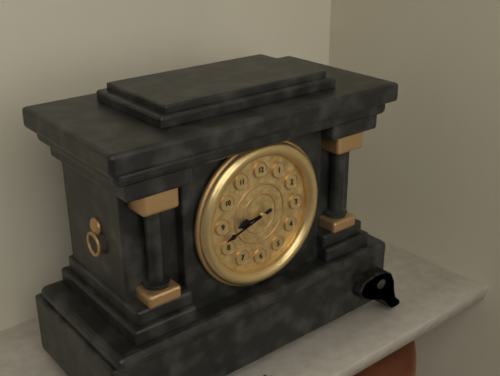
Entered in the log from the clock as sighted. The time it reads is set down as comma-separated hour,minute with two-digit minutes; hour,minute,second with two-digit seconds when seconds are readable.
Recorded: 8,42
